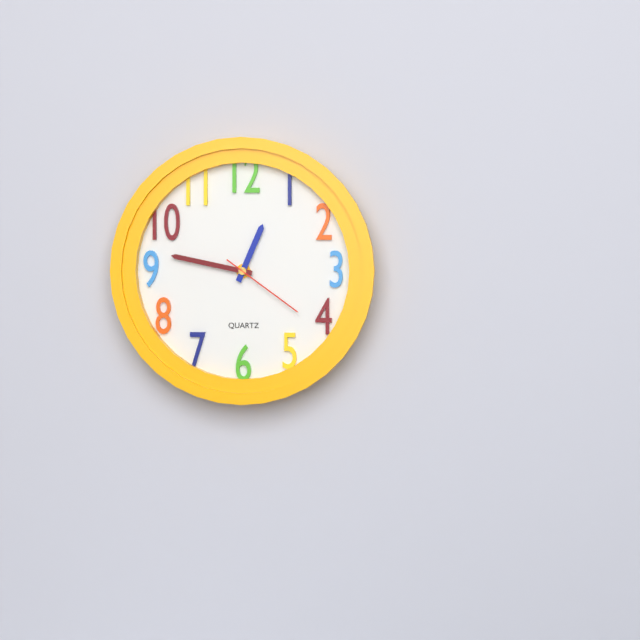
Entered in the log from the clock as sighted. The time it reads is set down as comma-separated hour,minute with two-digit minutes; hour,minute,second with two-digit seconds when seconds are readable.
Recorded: 12,47,21
